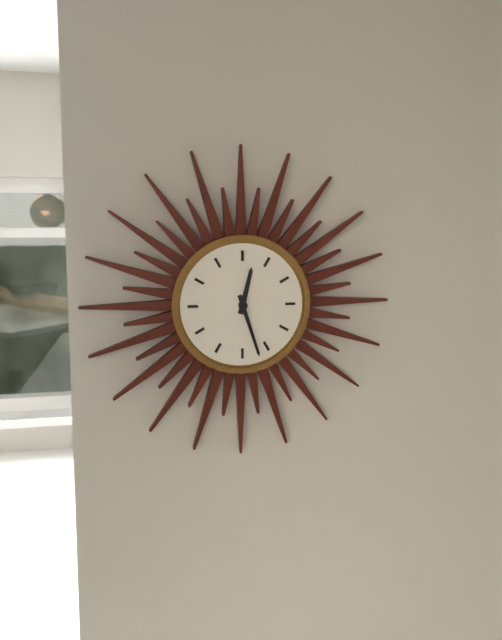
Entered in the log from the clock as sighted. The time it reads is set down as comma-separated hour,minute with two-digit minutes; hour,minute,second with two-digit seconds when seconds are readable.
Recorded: 12,27
